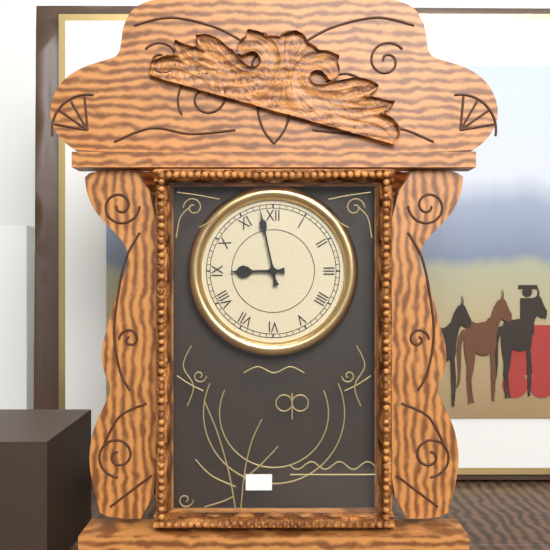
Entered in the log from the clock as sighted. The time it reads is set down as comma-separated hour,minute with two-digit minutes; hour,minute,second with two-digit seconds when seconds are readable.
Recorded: 8,58
